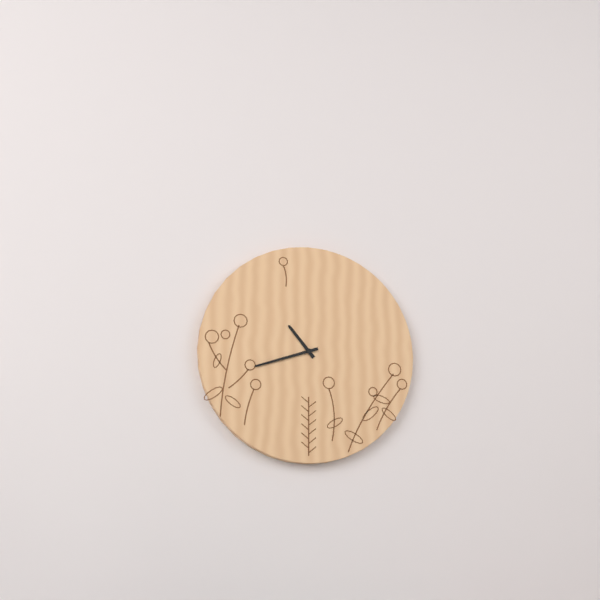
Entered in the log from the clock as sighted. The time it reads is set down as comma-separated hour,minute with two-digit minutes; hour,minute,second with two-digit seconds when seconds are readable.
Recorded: 10,42
